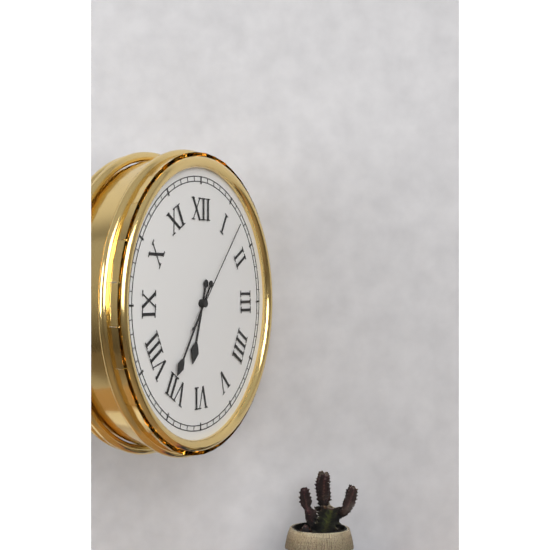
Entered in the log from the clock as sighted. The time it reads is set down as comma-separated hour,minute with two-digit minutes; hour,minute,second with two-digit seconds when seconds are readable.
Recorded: 6,36,07
